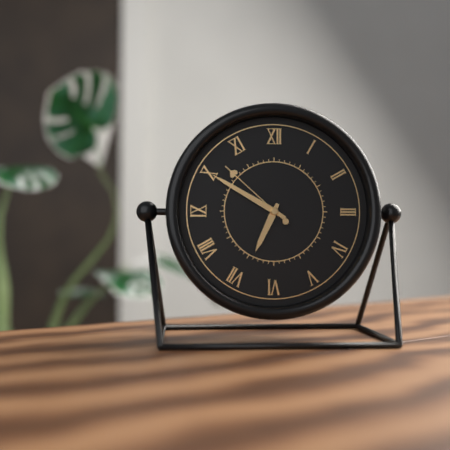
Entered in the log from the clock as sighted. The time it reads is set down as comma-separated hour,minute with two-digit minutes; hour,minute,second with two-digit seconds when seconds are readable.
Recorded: 6,50,52
